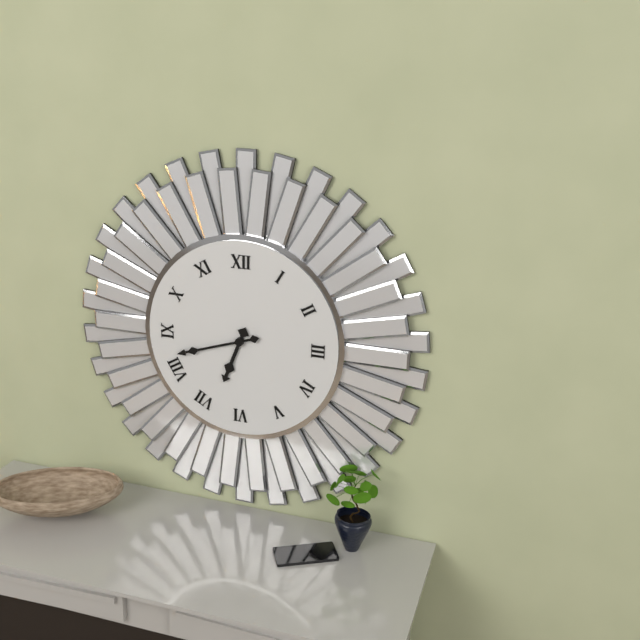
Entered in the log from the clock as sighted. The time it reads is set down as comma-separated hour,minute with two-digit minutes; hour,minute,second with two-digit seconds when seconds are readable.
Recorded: 6,42
